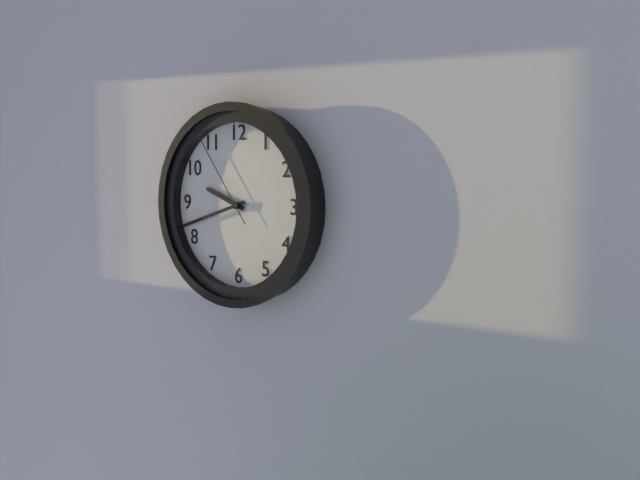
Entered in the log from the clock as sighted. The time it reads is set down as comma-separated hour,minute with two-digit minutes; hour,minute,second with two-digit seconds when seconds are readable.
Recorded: 9,42,54
